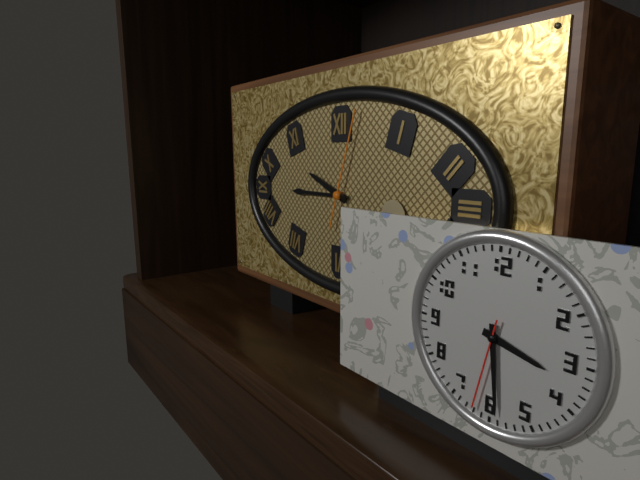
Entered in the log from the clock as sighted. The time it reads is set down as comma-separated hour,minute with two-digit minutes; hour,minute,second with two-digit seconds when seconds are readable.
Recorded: 9,45,03
